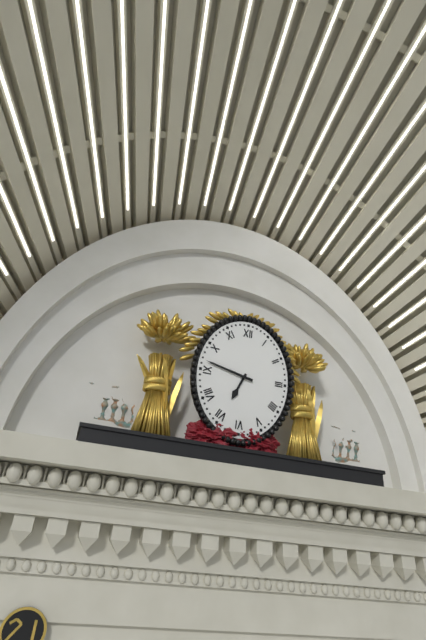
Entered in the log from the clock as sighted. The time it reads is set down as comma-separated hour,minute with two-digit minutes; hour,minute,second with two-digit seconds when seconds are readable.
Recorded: 6,47
